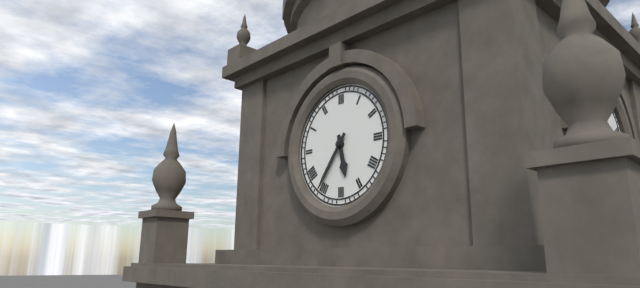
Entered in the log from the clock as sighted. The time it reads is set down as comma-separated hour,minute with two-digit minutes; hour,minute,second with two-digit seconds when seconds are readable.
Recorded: 5,36
